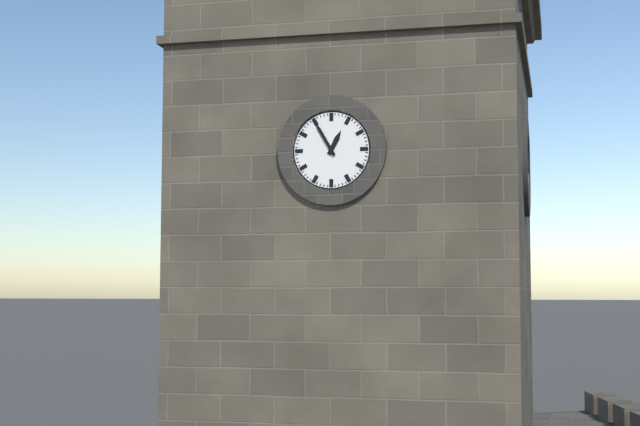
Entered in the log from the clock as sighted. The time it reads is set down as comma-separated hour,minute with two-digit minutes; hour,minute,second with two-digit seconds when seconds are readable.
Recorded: 12,55
